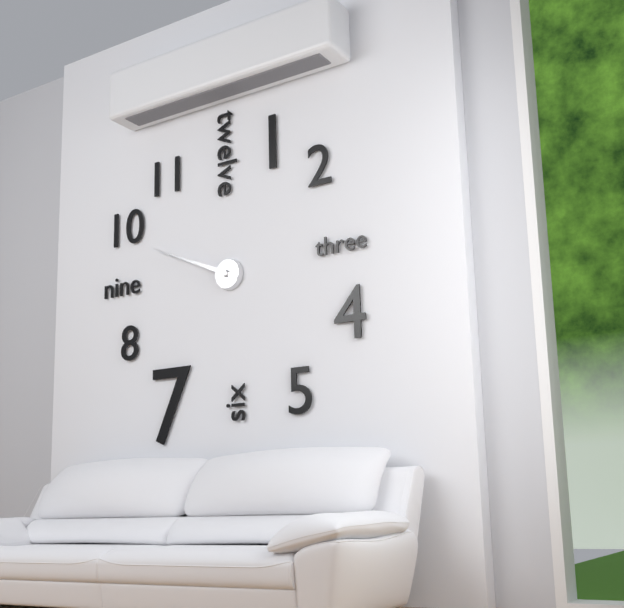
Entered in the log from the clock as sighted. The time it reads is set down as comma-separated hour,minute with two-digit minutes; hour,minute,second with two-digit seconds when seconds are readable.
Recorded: 9,49
